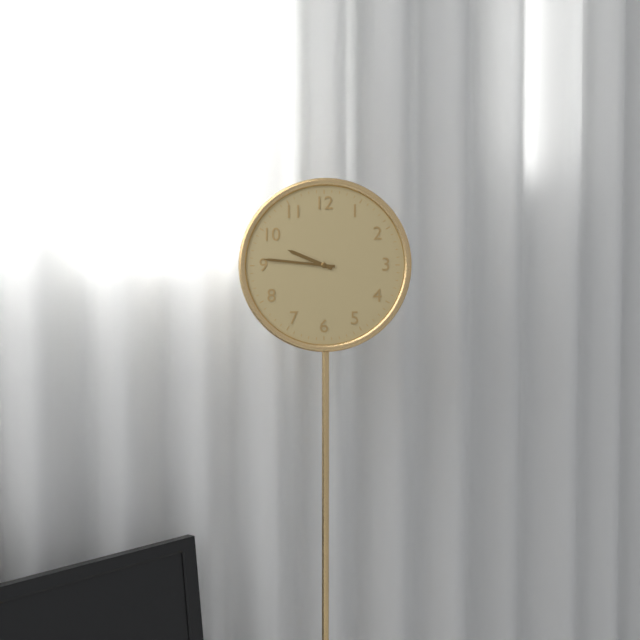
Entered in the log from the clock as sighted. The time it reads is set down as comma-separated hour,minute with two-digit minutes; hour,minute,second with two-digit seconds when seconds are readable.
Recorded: 9,46
